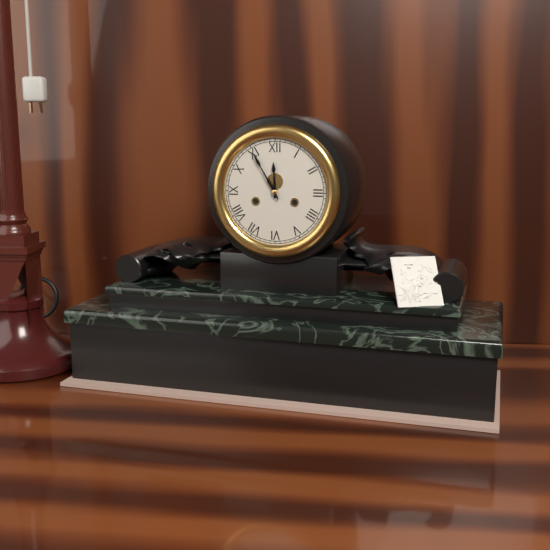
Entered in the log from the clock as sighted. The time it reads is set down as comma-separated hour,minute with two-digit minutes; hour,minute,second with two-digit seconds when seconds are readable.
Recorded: 11,55
